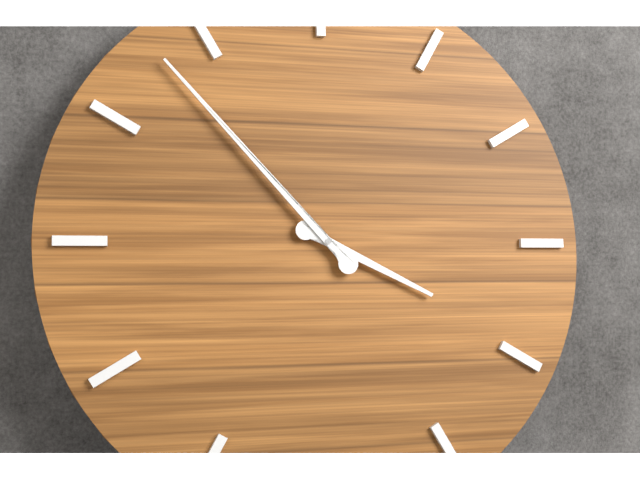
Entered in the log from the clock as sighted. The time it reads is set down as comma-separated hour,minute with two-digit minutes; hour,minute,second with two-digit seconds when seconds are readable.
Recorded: 3,53
